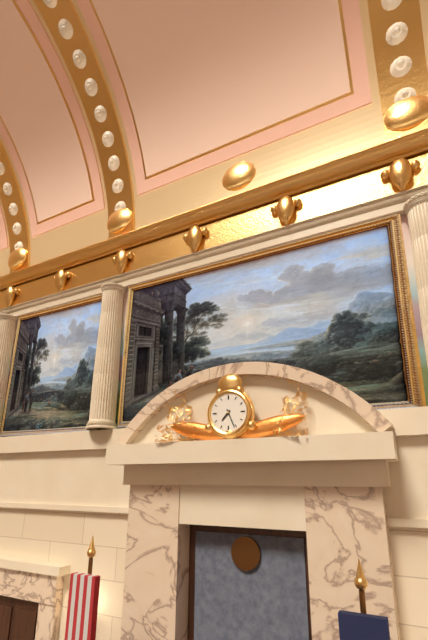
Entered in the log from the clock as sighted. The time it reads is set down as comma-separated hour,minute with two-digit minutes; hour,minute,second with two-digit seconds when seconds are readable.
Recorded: 7,26
